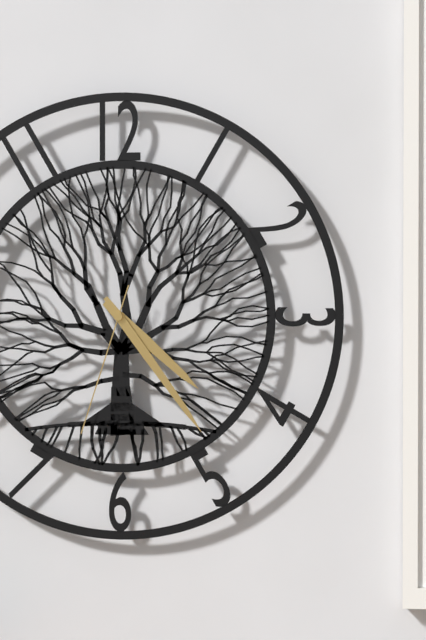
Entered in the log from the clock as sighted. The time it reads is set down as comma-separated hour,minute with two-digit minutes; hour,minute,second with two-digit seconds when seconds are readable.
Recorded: 4,24,33
